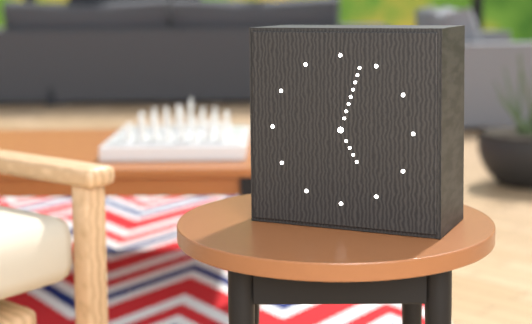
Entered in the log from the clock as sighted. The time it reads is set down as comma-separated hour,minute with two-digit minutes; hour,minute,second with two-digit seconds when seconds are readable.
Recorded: 5,03
